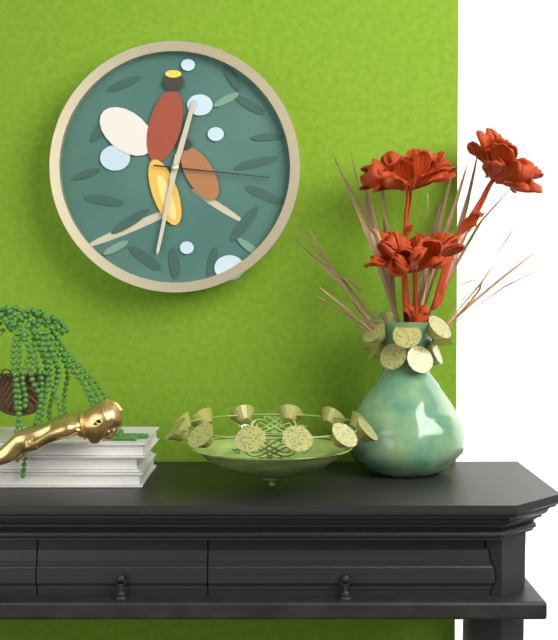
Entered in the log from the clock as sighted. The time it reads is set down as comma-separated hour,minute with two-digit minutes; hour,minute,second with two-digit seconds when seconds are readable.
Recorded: 12,32,16
